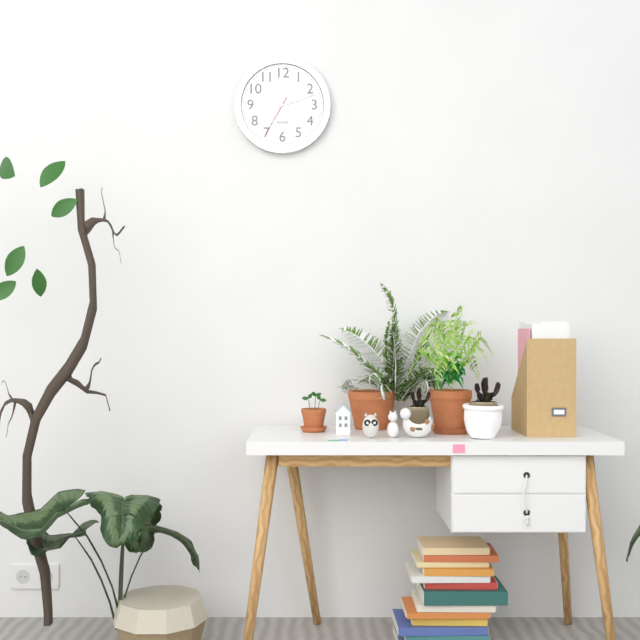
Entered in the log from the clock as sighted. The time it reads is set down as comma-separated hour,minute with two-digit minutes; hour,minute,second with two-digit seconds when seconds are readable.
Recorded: 4,12
